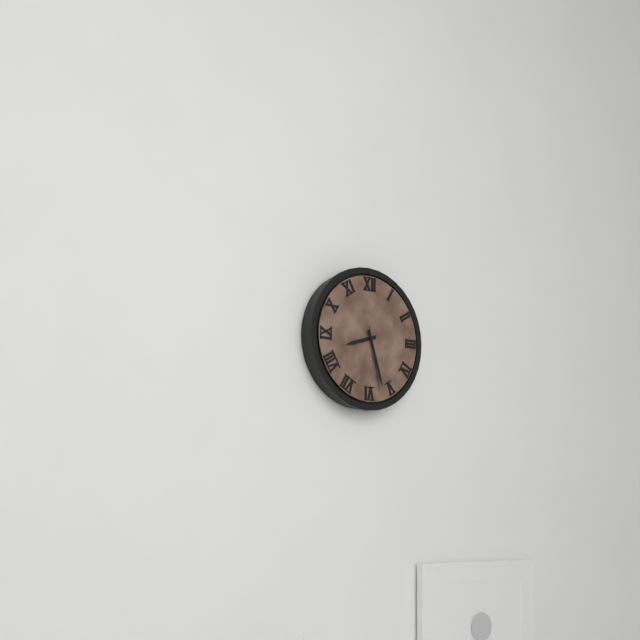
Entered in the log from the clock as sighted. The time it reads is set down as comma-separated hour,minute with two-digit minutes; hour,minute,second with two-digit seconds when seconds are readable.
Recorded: 8,27,28
